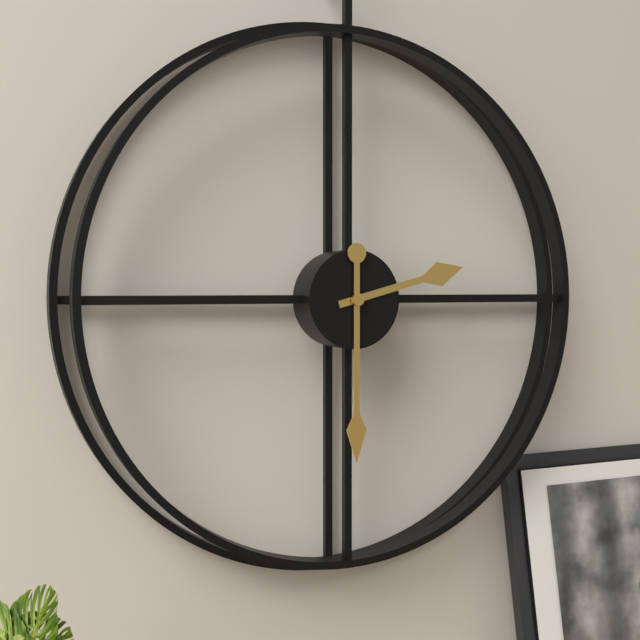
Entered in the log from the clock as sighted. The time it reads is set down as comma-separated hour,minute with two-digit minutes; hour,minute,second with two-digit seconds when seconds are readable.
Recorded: 2,30
